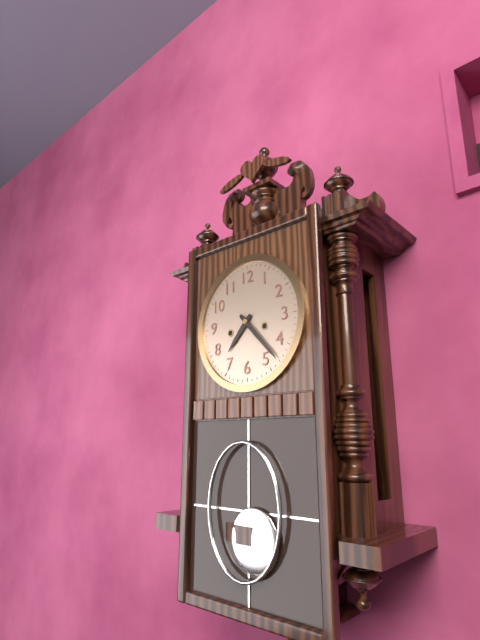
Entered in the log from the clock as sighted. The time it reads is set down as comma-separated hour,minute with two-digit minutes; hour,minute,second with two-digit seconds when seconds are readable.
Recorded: 7,23
